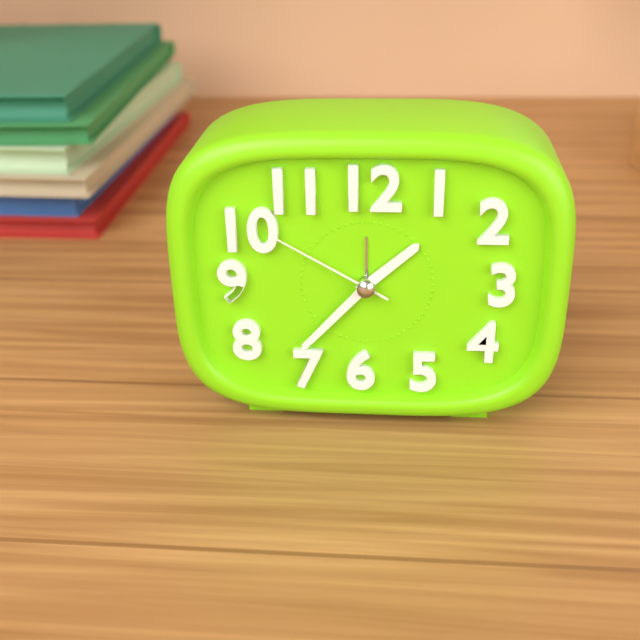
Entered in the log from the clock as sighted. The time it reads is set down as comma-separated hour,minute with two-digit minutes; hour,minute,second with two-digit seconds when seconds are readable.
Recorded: 1,37,50
